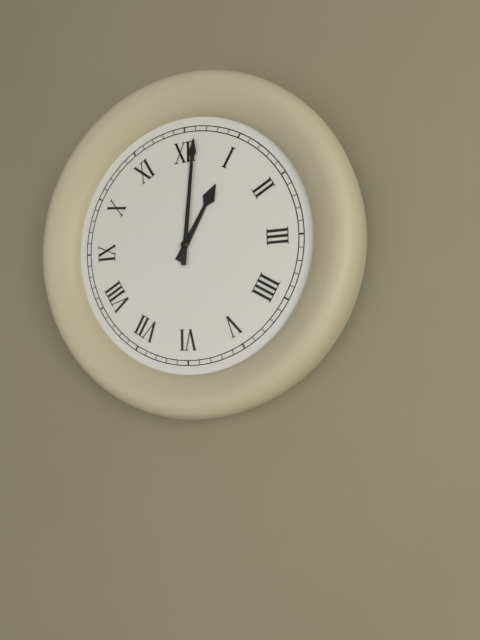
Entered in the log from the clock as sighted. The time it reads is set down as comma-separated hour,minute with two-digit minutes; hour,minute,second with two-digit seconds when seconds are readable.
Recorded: 1,01
